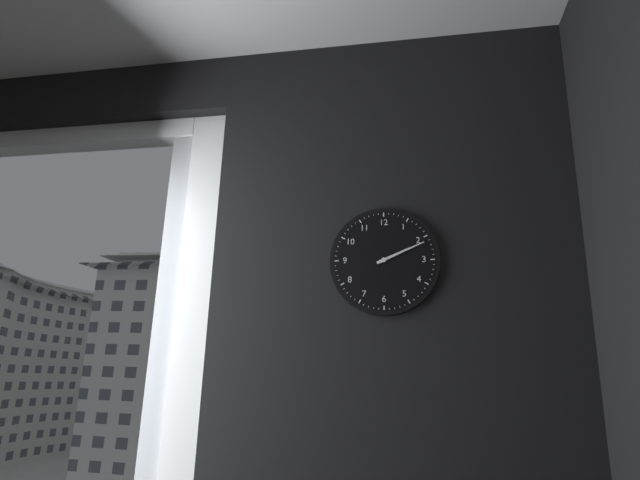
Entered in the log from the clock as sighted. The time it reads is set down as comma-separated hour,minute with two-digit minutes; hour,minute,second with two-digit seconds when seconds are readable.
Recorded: 2,11
